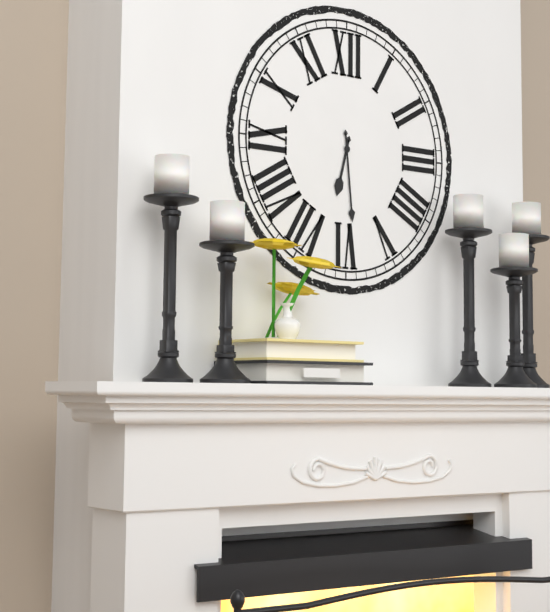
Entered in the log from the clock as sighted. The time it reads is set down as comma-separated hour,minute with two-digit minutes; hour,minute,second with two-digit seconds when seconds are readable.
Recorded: 6,29
